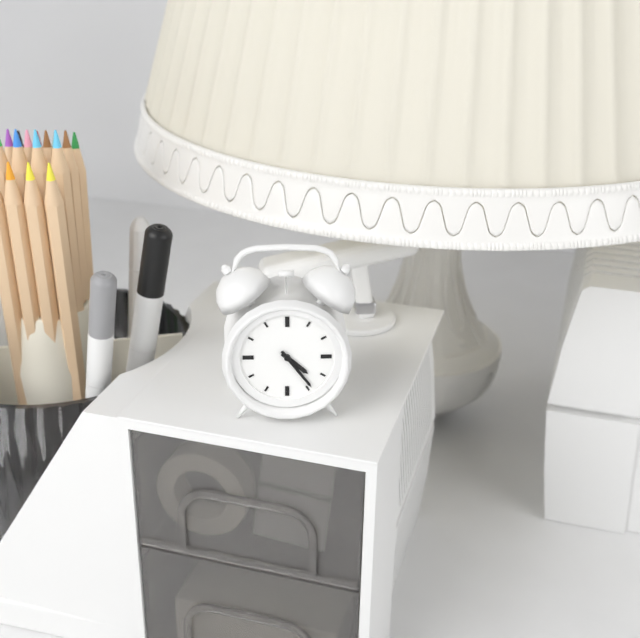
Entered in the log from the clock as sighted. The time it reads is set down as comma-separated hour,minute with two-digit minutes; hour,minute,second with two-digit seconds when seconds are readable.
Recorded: 4,24
